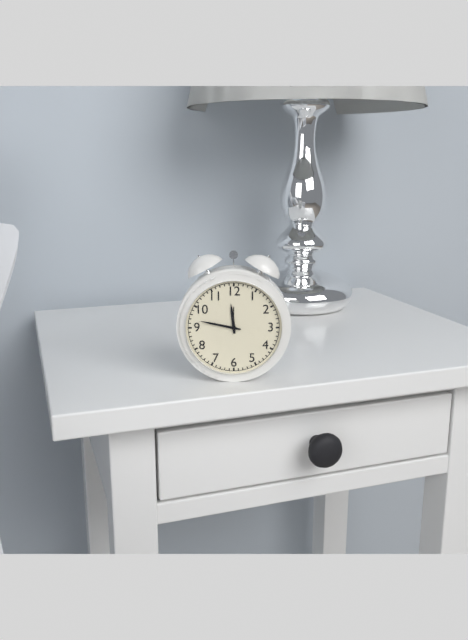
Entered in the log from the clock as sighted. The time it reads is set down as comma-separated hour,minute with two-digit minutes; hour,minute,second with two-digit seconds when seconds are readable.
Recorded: 11,47
